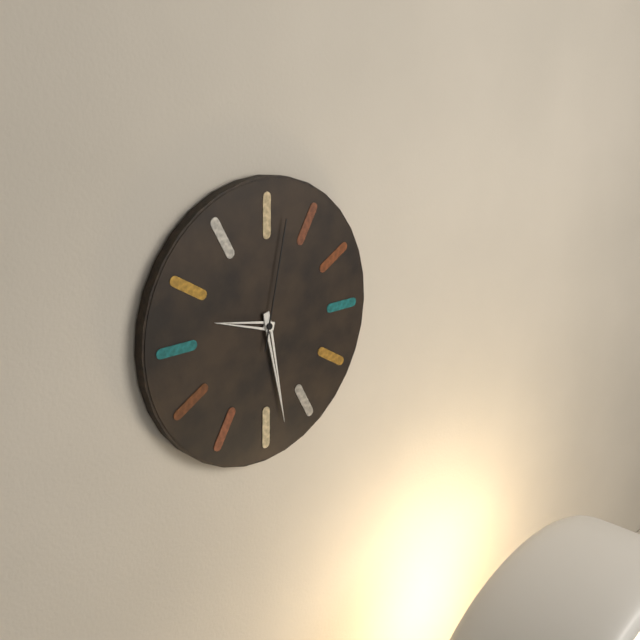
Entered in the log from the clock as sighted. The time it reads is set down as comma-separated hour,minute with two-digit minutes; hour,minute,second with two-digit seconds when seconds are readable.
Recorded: 9,28,02
